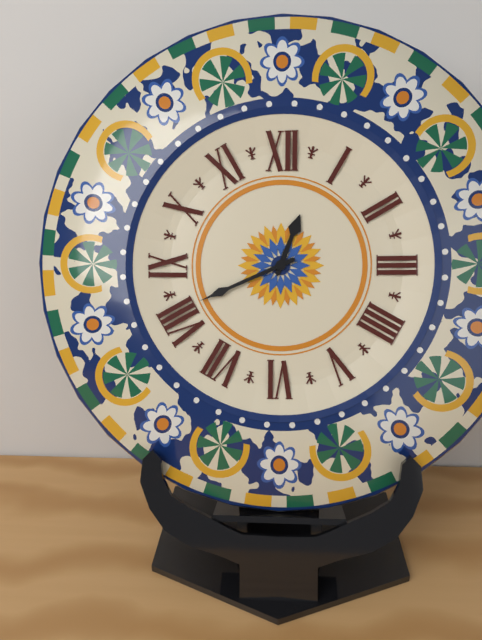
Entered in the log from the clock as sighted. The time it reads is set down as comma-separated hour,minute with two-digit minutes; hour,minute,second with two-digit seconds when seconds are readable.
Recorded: 12,41
